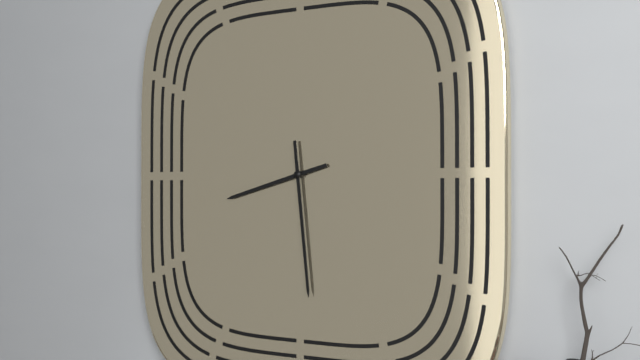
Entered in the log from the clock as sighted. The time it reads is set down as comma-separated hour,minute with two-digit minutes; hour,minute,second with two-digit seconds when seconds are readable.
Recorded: 8,29
